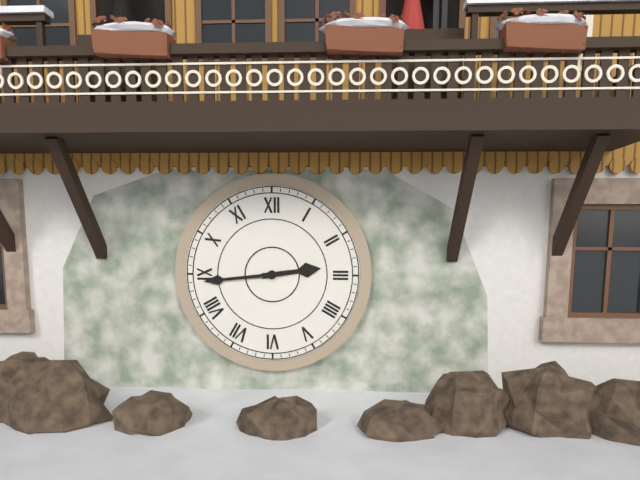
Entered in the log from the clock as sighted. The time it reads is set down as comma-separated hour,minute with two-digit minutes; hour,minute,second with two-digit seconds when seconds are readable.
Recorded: 2,44
